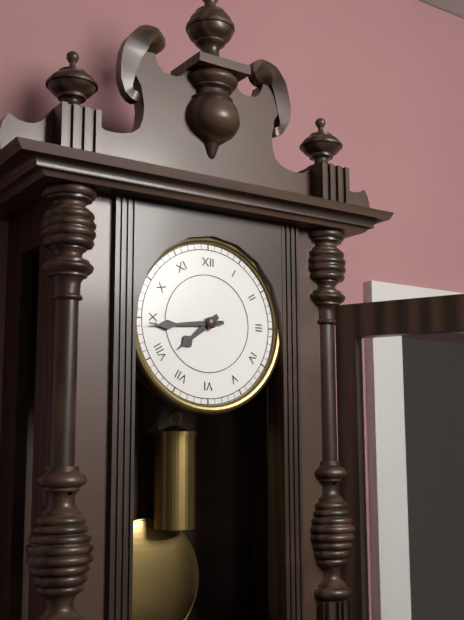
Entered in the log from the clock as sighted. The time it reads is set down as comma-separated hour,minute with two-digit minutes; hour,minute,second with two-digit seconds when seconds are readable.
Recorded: 7,44
